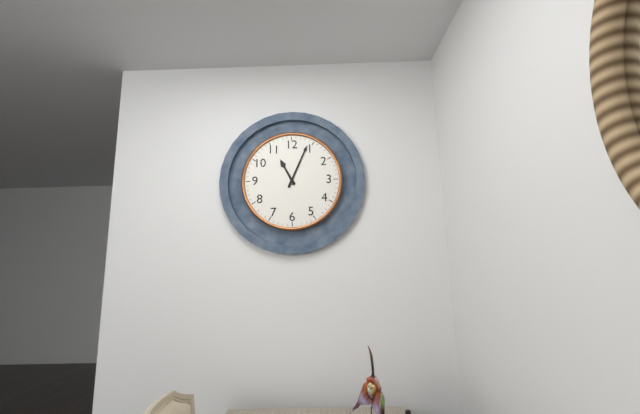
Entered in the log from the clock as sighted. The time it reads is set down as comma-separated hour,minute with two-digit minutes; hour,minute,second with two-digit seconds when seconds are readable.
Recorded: 11,04
